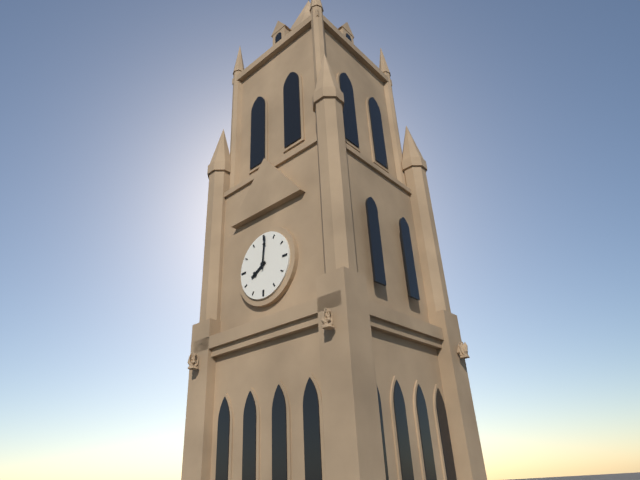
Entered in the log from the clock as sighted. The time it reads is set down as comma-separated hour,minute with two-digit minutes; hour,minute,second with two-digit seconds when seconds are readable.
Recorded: 8,01
